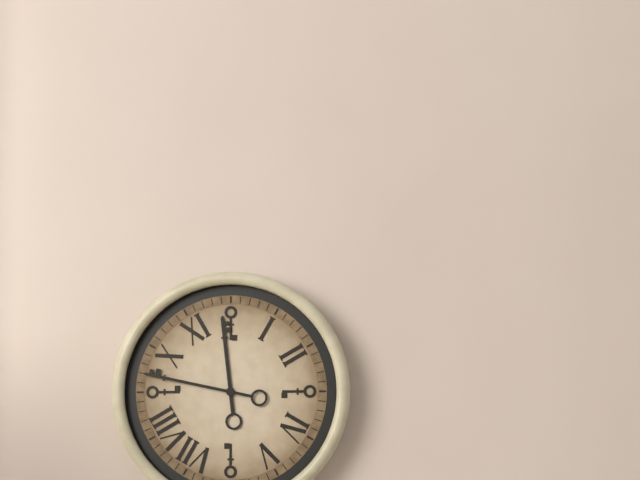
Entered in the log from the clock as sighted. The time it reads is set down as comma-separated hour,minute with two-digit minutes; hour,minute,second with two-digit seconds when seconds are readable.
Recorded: 11,47
